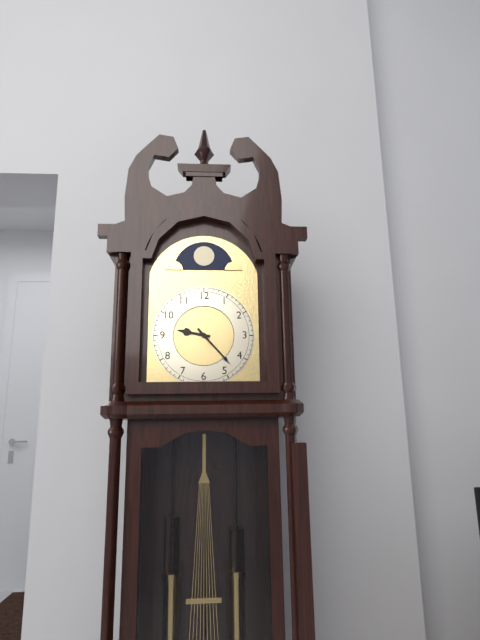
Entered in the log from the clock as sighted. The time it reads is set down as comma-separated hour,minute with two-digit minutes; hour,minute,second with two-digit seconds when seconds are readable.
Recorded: 9,23
